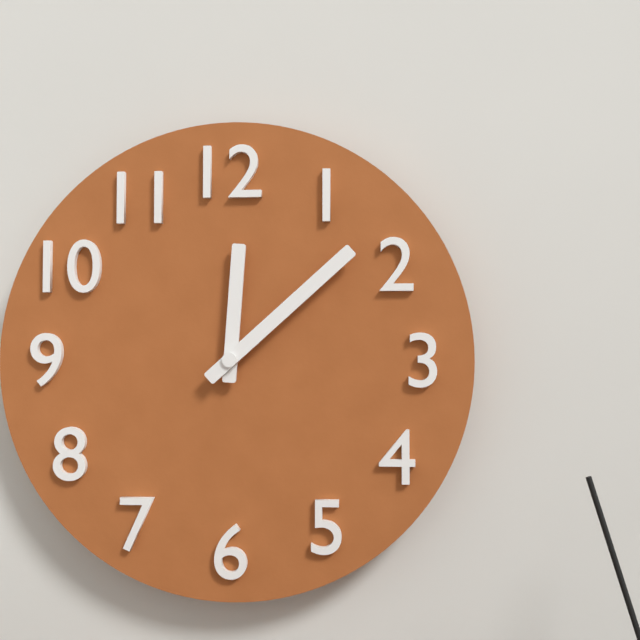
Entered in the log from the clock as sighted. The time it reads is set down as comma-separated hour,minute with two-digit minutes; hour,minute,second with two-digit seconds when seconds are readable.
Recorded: 12,08
